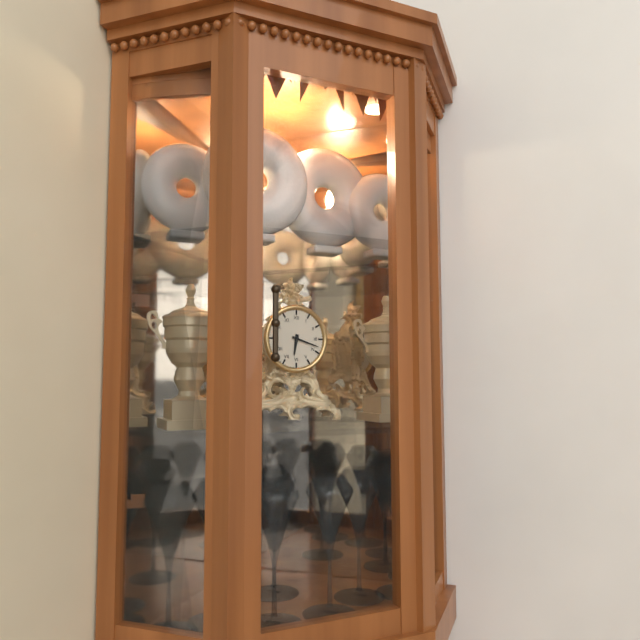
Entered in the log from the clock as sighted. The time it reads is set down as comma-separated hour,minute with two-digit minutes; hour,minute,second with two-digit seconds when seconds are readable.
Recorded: 6,18
